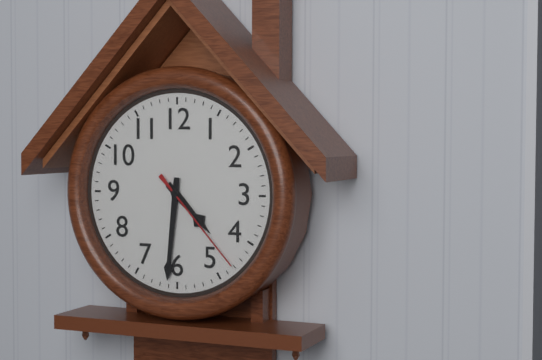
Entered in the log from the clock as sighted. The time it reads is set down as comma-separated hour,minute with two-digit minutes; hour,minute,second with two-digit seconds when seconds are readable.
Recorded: 4,31,23
